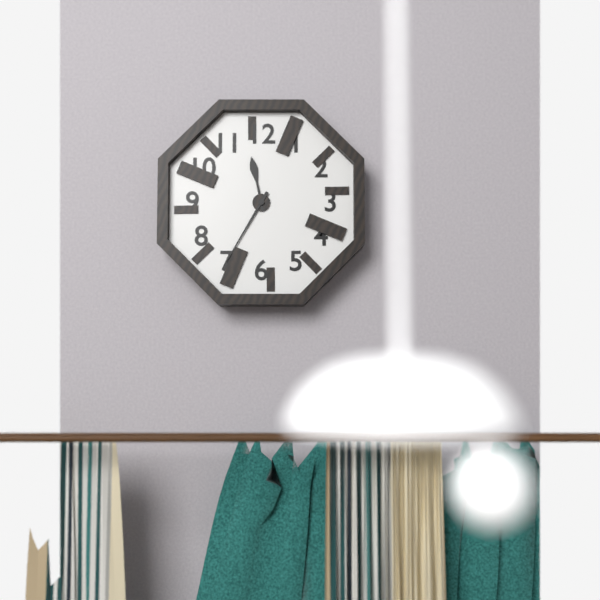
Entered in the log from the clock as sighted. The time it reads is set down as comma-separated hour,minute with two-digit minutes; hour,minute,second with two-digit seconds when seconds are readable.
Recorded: 11,35
